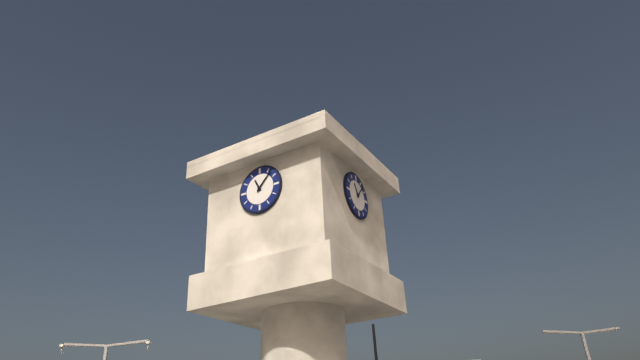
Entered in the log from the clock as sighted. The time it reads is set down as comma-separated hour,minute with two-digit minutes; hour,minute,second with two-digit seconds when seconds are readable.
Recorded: 11,07
